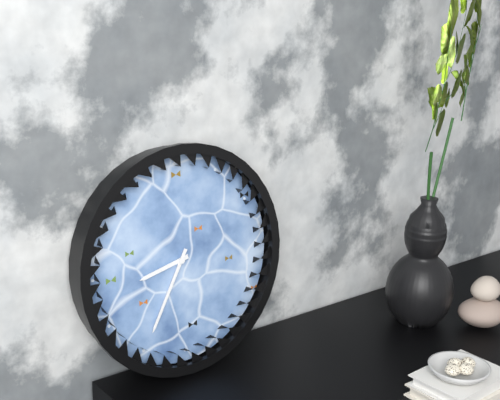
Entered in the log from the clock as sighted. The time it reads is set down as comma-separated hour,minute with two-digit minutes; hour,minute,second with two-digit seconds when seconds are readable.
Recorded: 8,35
